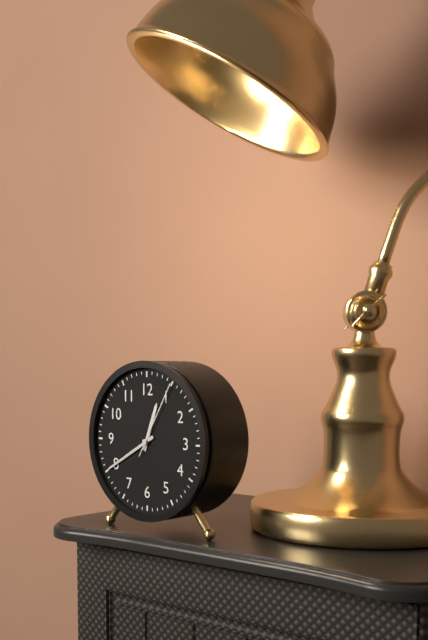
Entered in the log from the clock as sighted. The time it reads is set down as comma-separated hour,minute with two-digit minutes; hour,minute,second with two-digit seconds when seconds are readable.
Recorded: 12,40,05
